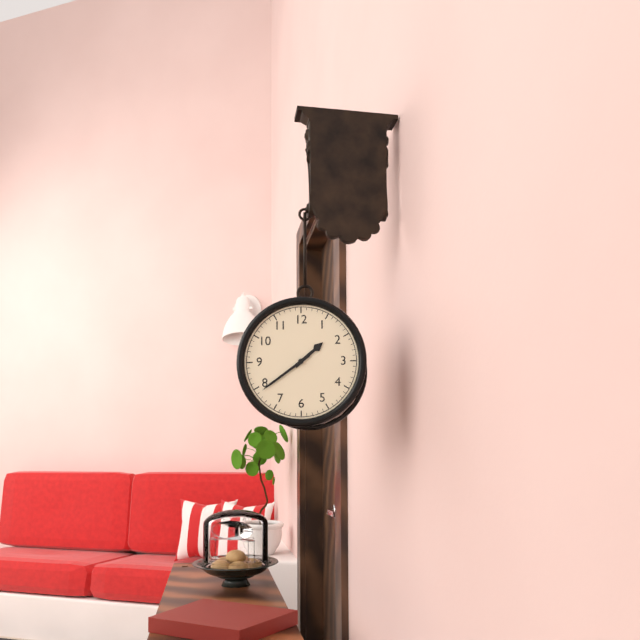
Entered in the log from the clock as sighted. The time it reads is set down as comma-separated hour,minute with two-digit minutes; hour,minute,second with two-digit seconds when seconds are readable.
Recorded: 1,39
